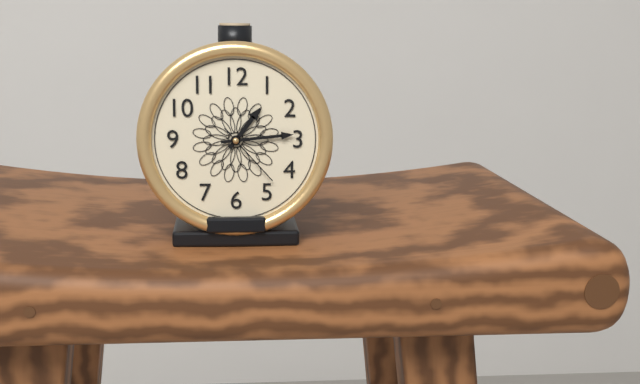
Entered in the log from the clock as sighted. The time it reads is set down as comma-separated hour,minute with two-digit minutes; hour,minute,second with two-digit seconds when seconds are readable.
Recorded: 1,14,23
